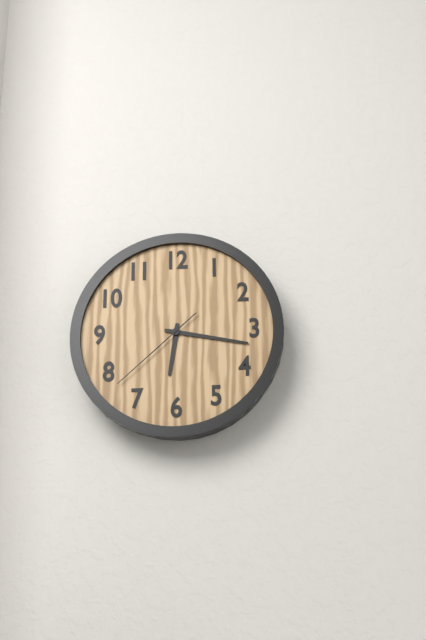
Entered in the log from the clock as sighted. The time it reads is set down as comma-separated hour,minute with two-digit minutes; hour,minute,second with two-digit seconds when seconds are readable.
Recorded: 6,17,38
